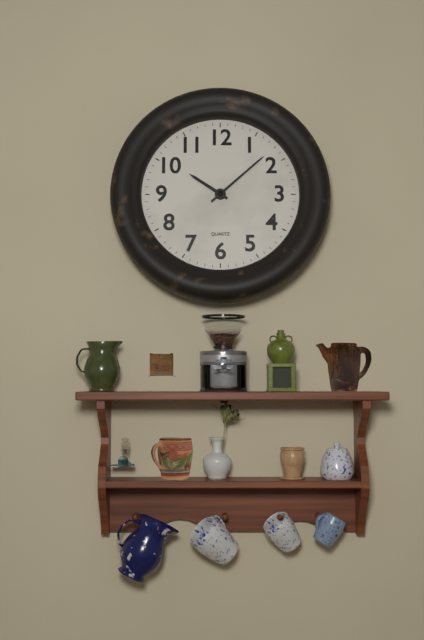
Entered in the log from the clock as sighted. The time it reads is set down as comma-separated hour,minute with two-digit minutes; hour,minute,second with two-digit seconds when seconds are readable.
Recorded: 10,08
